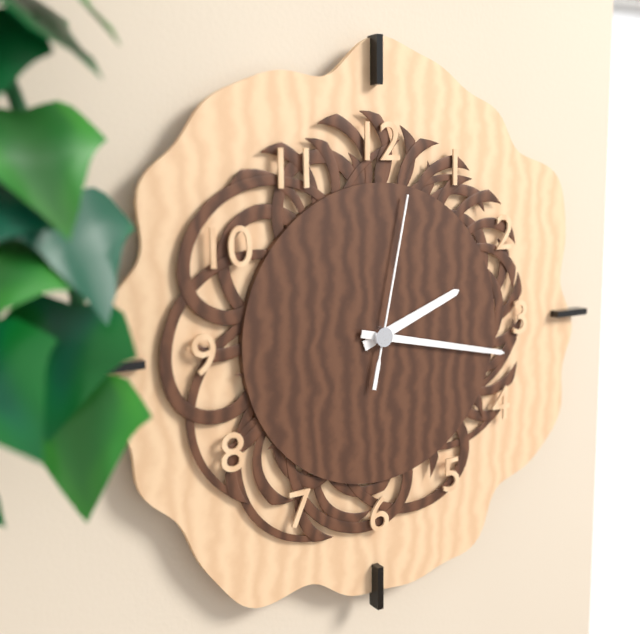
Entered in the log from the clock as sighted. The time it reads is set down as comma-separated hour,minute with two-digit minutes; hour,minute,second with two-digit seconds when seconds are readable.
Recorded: 2,17,02
